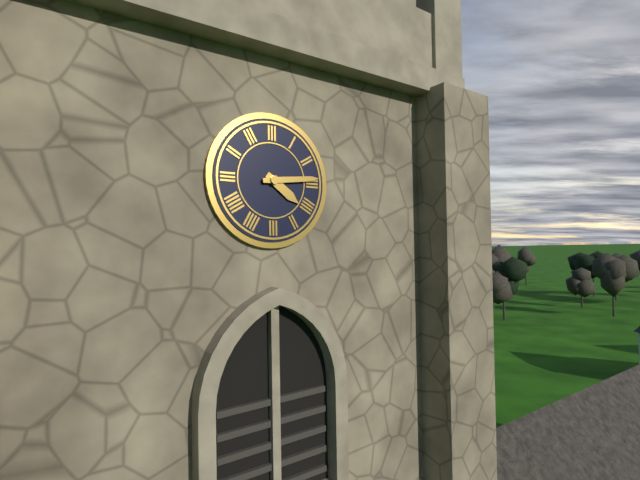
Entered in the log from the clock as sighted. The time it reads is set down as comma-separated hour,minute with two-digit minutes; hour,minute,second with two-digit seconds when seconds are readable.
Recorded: 4,14
